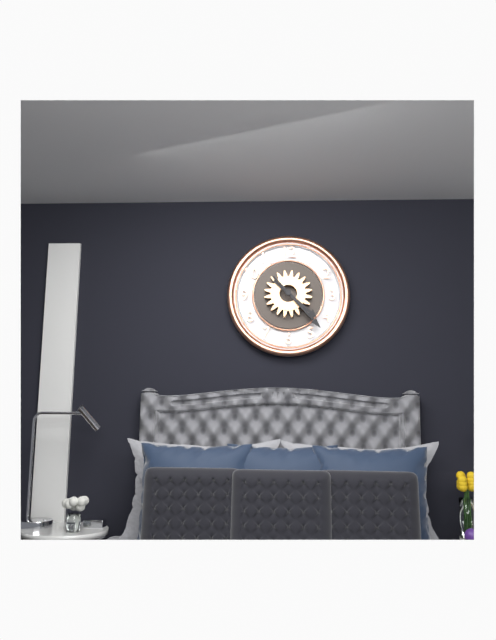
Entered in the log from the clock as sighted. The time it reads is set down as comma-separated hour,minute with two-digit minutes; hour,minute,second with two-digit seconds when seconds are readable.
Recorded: 4,23
